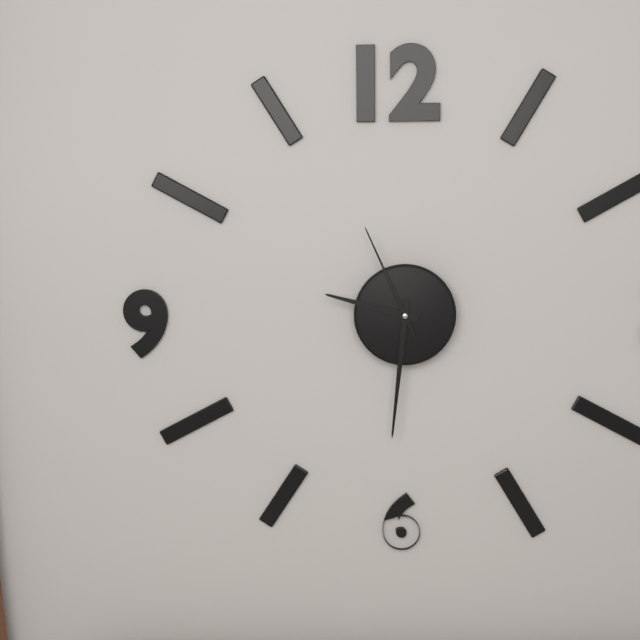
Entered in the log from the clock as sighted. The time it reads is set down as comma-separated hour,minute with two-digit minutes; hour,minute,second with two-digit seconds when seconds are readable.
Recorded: 9,31,56
